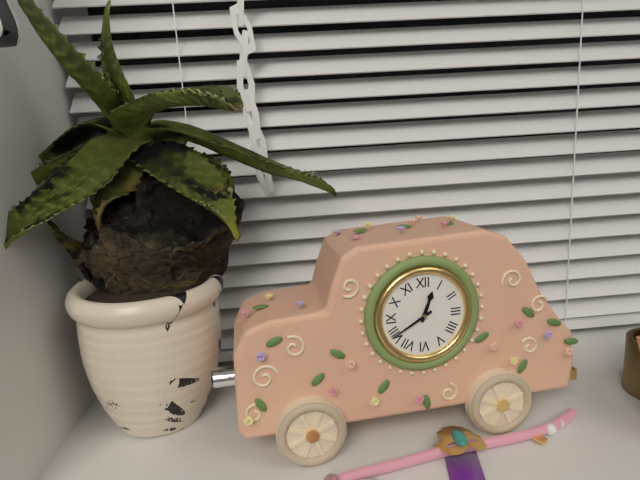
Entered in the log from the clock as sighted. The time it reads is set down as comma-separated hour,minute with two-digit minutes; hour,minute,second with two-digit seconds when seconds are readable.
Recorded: 12,40
